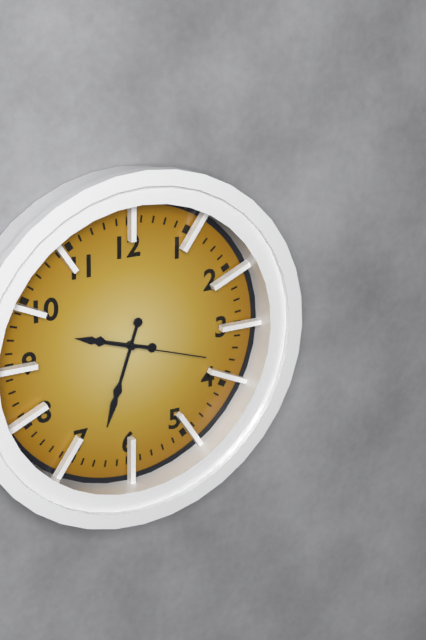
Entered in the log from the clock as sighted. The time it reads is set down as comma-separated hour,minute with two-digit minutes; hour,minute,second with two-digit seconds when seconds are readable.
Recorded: 9,33,18
